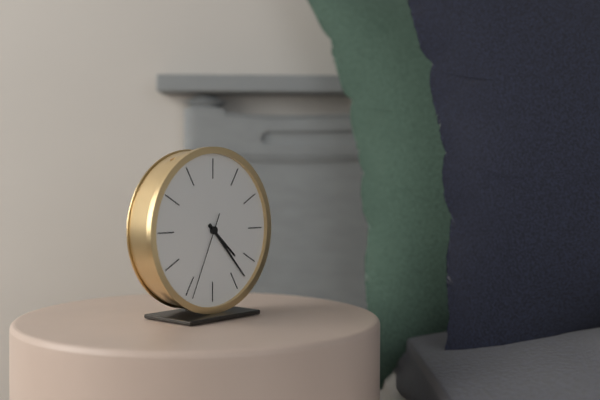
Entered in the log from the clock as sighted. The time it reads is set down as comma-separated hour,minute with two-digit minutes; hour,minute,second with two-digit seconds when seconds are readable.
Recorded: 4,23,34
